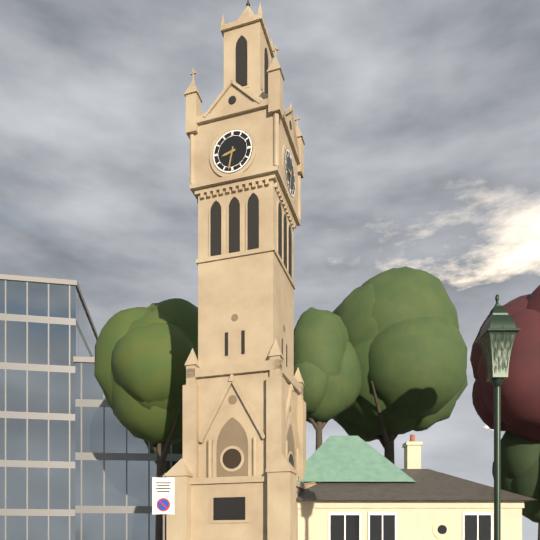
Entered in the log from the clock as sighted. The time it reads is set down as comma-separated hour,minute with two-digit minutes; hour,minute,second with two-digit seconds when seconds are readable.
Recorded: 8,32
